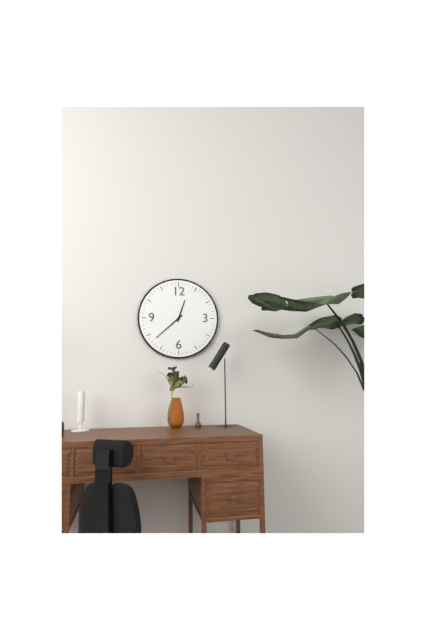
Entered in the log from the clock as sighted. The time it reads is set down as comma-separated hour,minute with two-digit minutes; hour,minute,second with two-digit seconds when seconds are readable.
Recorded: 12,38
